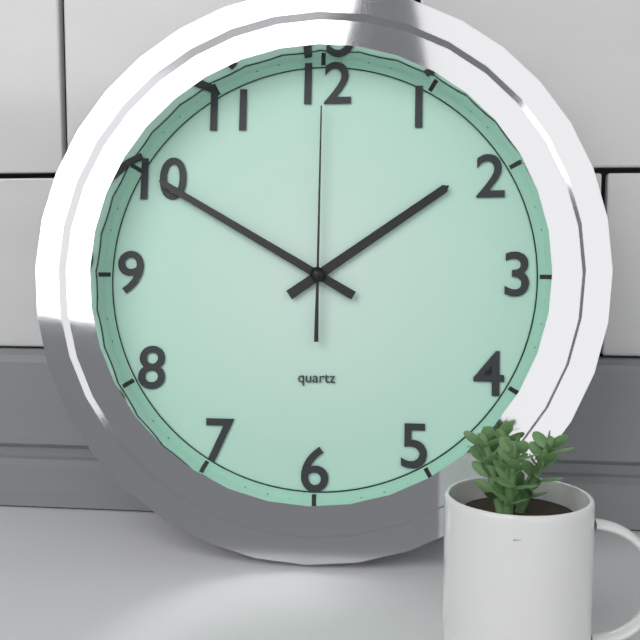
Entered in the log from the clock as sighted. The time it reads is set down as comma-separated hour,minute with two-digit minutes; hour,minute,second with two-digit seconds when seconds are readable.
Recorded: 1,50,00
